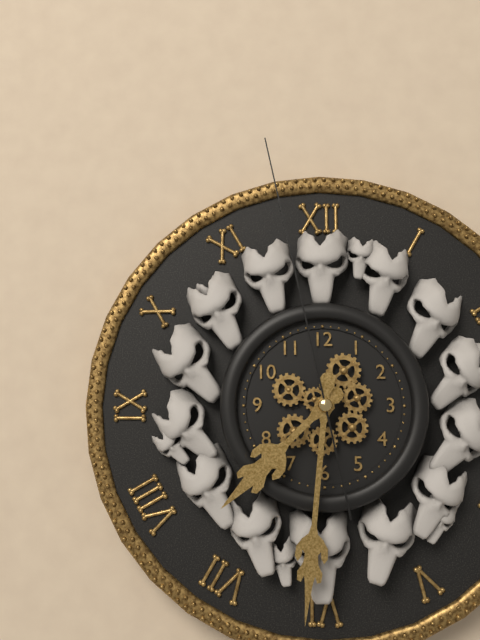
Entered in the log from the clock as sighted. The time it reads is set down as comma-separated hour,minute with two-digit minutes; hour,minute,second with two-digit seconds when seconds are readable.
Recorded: 7,31,58
